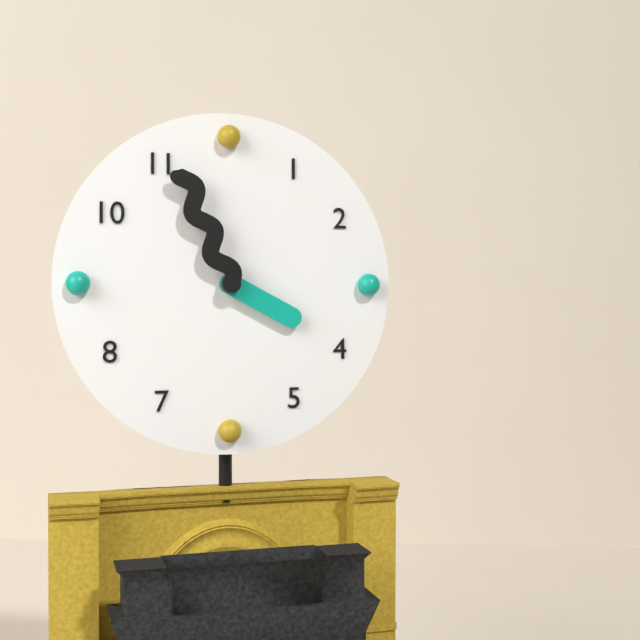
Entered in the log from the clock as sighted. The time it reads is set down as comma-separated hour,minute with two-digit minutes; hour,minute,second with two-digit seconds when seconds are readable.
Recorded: 3,56
